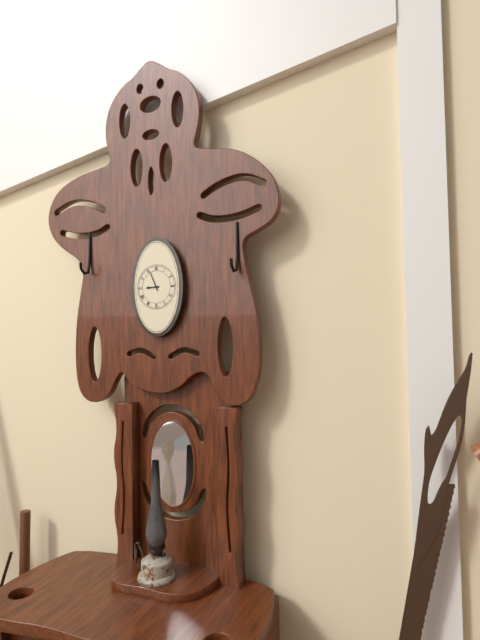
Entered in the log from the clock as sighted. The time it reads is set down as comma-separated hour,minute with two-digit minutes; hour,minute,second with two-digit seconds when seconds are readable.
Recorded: 8,56
